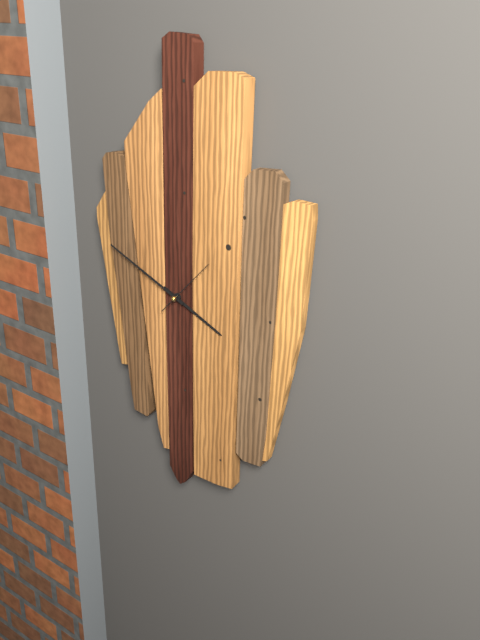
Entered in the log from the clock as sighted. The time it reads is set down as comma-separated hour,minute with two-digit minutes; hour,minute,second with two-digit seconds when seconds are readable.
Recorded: 3,49,07
